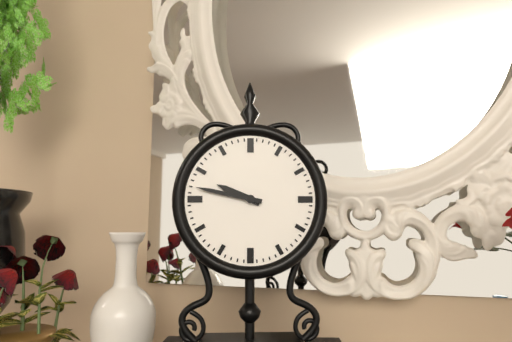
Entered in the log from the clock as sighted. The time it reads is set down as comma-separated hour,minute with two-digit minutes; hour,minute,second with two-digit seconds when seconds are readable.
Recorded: 9,47
